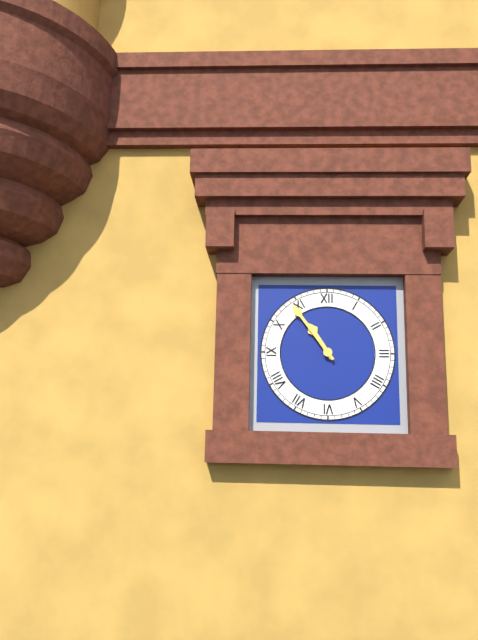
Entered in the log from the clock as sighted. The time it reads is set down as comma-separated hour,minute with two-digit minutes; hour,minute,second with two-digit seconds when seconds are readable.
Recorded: 10,54
